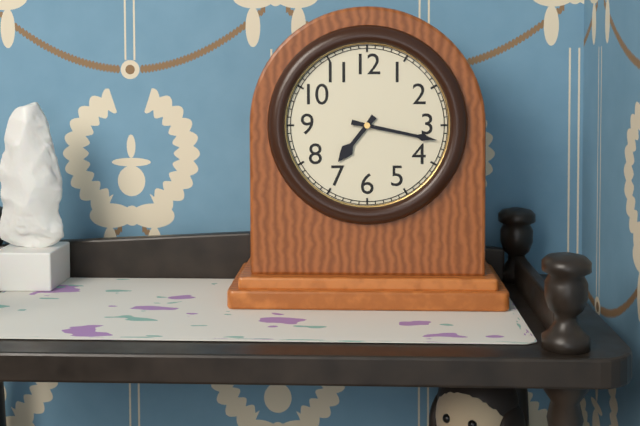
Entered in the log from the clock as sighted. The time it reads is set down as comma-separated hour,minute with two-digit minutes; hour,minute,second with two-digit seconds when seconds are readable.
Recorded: 7,17
